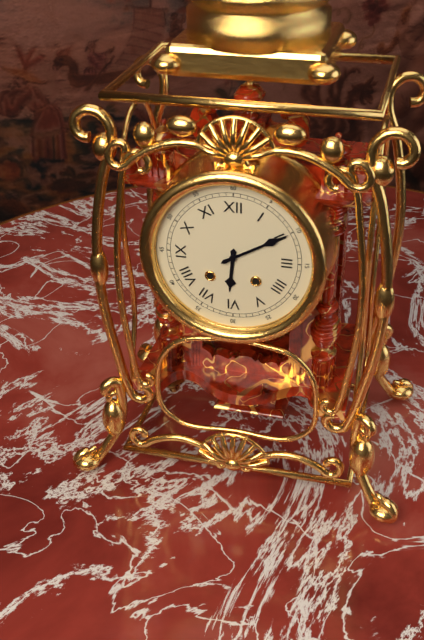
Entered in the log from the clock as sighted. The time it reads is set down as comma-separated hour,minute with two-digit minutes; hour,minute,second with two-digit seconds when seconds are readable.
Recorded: 6,10
